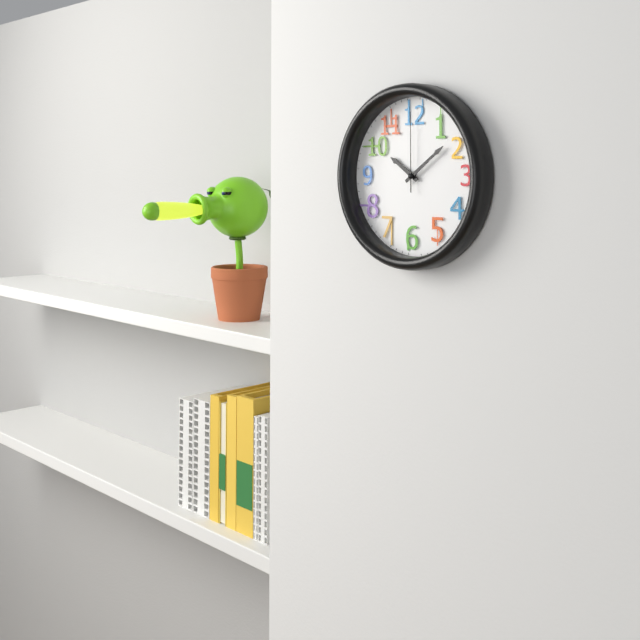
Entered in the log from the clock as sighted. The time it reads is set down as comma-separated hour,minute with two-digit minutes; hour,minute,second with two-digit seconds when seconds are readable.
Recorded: 10,09,00
